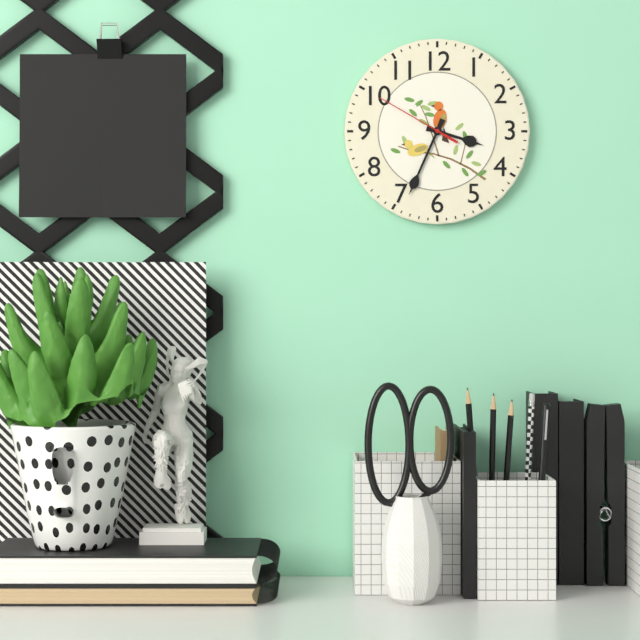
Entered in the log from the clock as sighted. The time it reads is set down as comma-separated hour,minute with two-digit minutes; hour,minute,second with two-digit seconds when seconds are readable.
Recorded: 3,34,50
